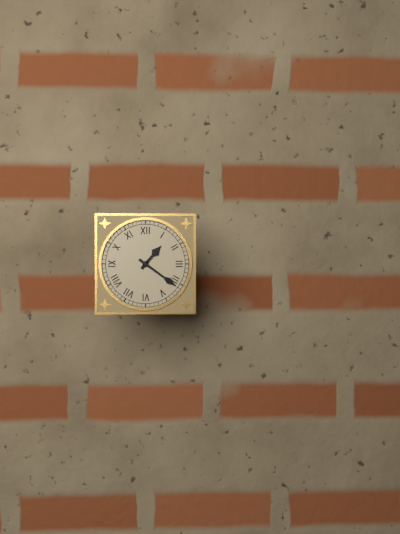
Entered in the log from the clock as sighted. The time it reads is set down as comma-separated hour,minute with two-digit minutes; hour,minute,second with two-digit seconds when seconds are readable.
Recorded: 1,21
